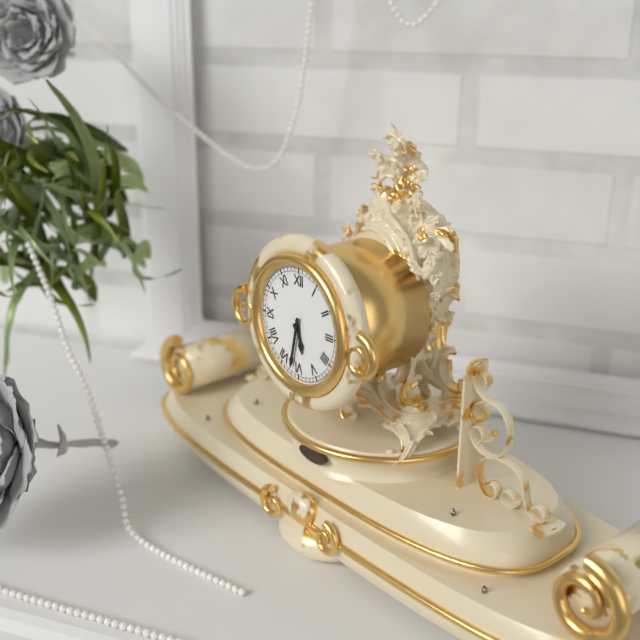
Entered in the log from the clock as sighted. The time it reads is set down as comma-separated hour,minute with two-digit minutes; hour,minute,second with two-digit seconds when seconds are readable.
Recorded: 5,32
